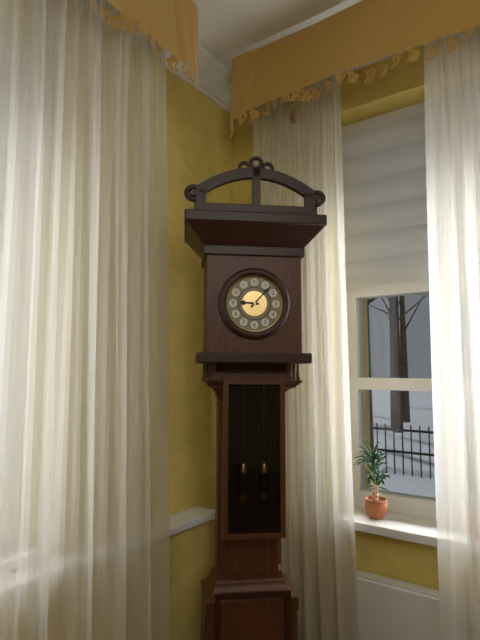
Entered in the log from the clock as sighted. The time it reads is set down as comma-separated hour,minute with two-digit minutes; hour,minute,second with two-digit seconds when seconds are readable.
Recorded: 9,07
